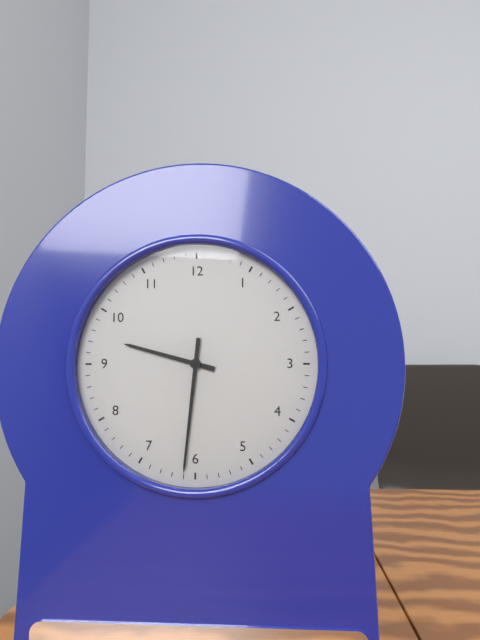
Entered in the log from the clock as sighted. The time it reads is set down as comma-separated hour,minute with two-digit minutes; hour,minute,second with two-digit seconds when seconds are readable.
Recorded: 9,31
